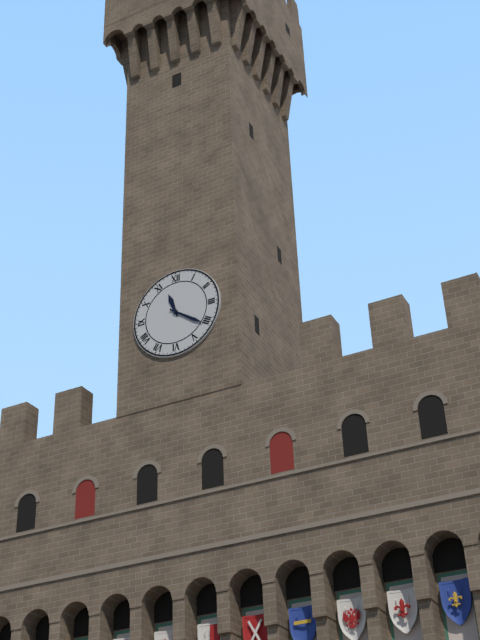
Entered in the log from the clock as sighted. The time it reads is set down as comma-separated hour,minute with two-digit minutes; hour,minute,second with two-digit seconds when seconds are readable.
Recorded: 11,21
